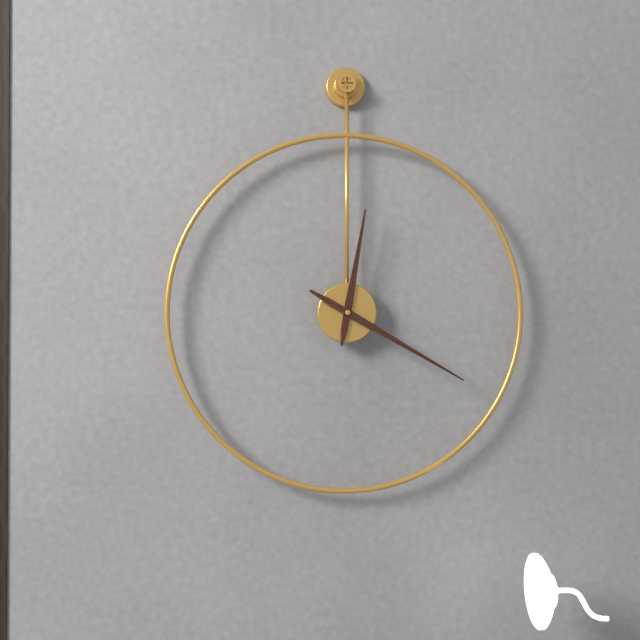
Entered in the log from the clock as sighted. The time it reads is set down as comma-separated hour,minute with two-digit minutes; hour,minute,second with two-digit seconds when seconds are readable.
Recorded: 12,20
